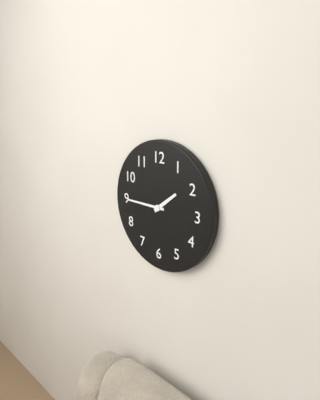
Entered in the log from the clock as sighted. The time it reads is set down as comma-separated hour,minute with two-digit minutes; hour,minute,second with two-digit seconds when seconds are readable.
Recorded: 1,45
